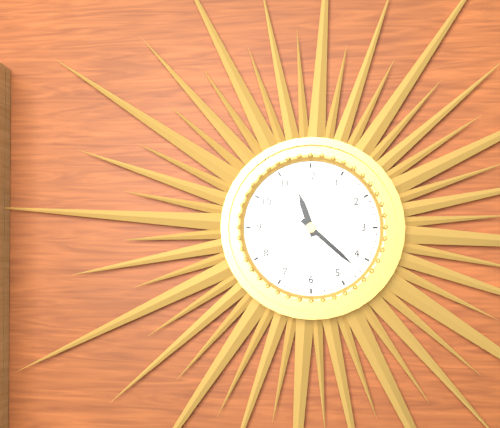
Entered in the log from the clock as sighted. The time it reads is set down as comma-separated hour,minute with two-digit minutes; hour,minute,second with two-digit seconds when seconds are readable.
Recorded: 11,22
